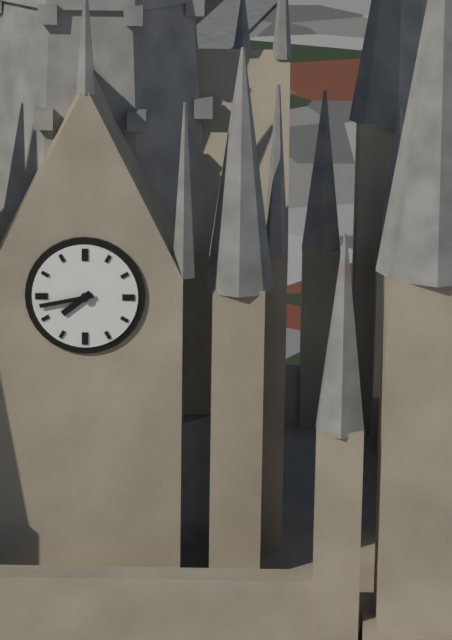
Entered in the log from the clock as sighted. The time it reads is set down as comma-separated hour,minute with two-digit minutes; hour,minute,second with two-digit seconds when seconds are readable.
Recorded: 7,43
